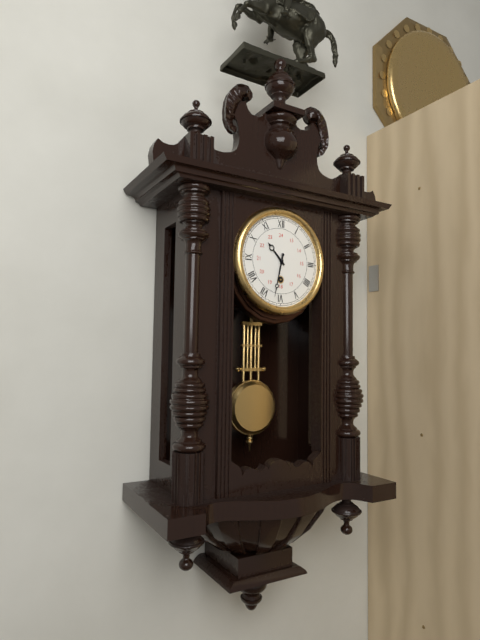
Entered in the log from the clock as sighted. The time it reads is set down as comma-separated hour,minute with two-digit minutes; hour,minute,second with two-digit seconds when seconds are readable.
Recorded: 10,32
